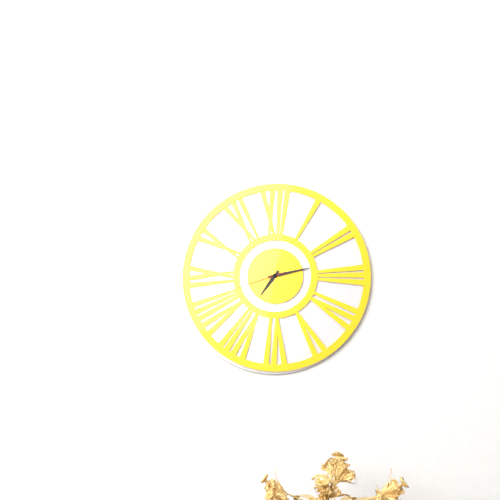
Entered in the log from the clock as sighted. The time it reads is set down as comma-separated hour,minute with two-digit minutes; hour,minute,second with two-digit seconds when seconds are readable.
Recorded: 7,13
